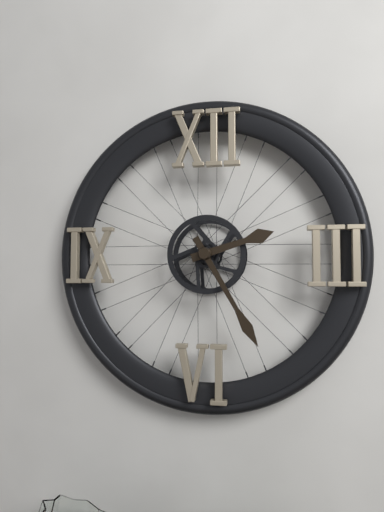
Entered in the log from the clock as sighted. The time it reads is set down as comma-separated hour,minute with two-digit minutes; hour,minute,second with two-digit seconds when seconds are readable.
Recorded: 2,25
